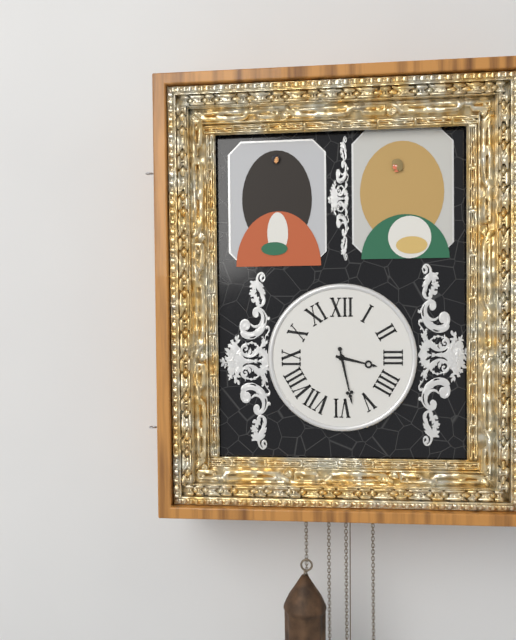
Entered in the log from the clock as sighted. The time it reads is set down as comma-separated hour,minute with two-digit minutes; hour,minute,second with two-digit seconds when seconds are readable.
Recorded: 3,28
